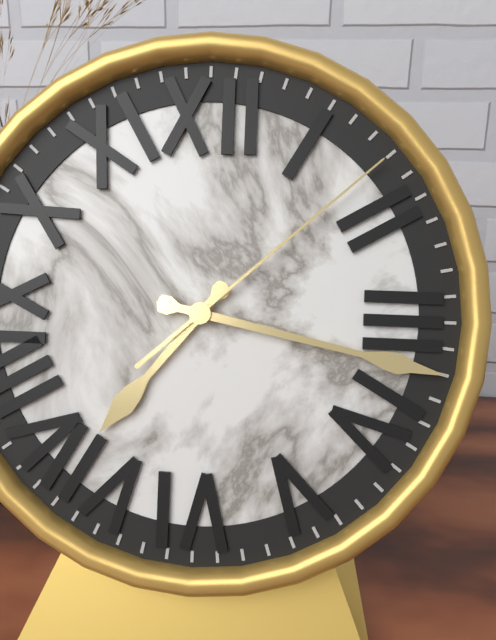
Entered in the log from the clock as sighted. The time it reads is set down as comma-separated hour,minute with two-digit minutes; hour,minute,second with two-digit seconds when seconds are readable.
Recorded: 7,17,08
